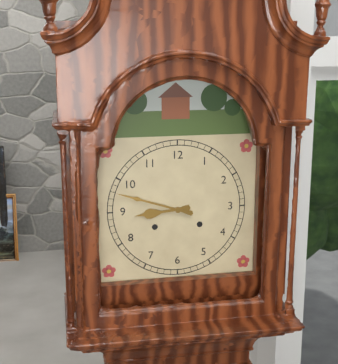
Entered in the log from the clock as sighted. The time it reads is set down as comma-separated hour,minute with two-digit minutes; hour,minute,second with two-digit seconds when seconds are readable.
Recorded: 8,48
